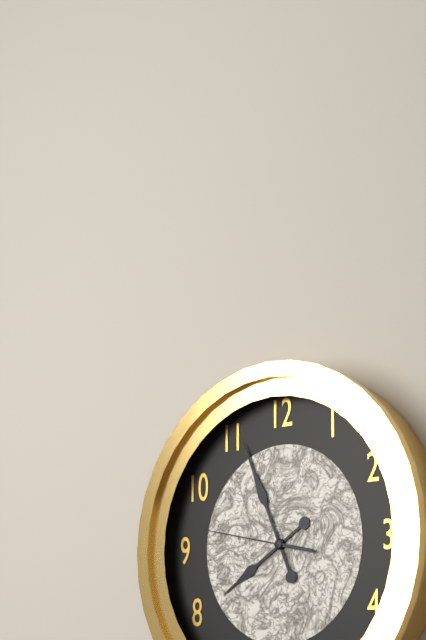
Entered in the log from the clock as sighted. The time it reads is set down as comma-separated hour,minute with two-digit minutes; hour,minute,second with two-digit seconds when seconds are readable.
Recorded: 7,56,47
